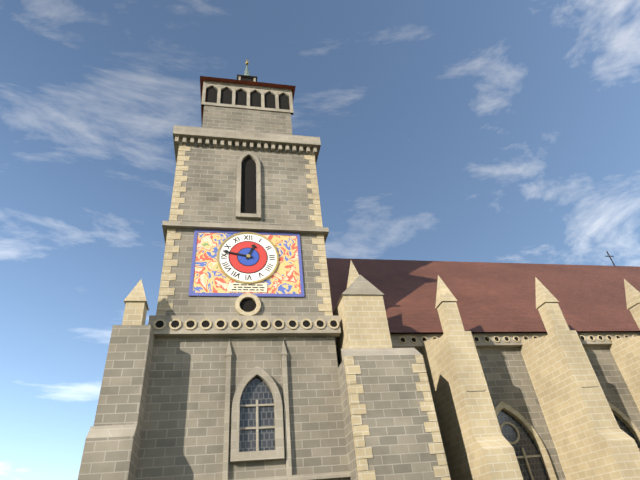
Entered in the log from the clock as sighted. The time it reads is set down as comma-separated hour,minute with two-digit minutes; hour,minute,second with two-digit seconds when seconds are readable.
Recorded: 12,47
